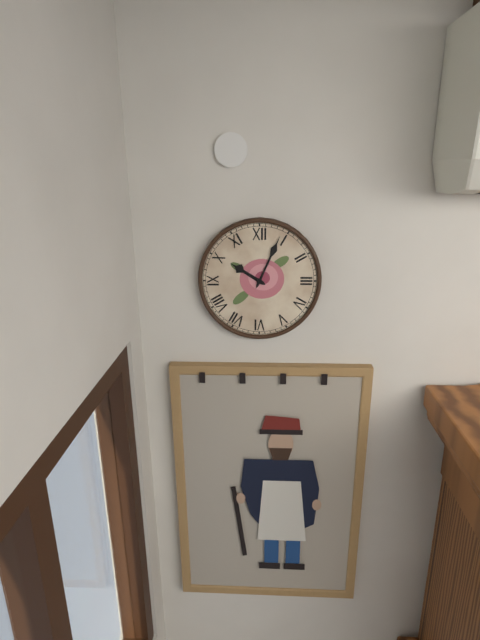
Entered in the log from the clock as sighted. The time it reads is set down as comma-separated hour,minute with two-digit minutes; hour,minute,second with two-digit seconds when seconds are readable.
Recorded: 10,04
